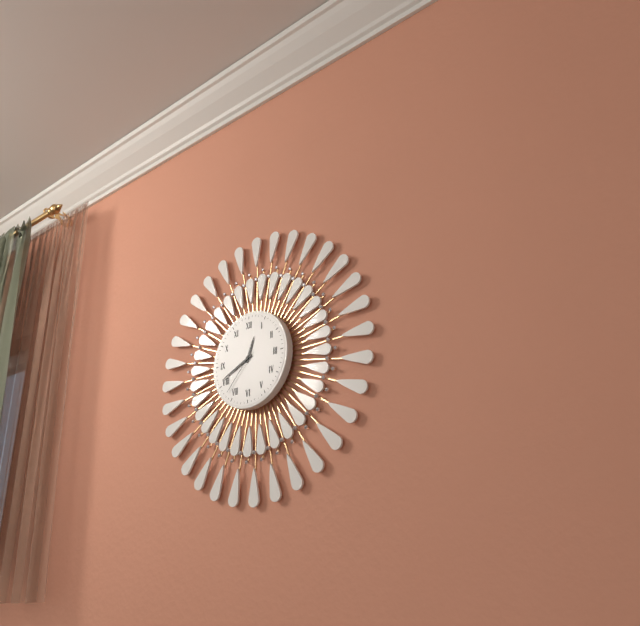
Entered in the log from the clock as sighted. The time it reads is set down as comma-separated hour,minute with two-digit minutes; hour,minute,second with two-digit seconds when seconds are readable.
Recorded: 12,41,37
